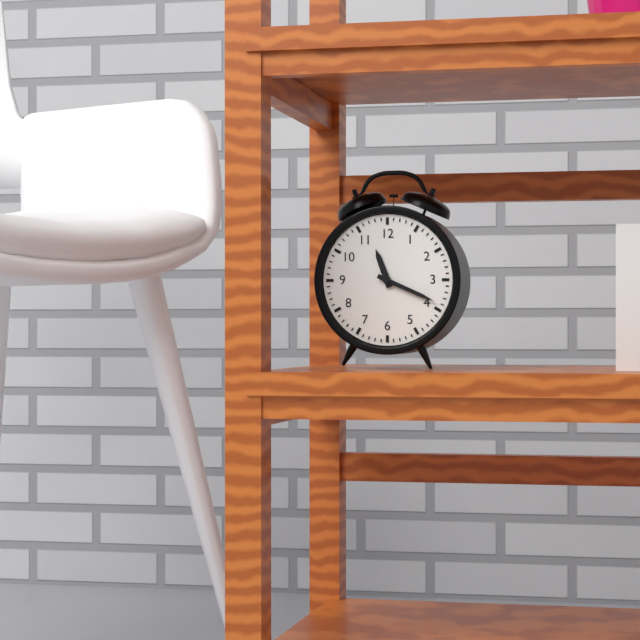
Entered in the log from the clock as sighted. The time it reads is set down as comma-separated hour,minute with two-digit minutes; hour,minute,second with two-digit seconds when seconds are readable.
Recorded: 11,19
